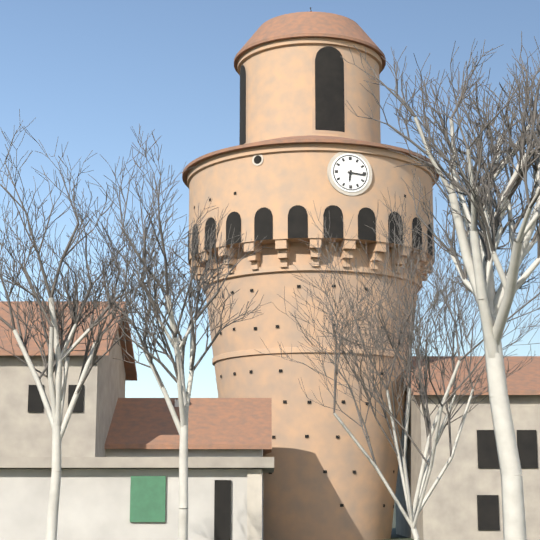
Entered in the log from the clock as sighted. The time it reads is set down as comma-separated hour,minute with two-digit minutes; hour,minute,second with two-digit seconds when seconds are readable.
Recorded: 6,16
